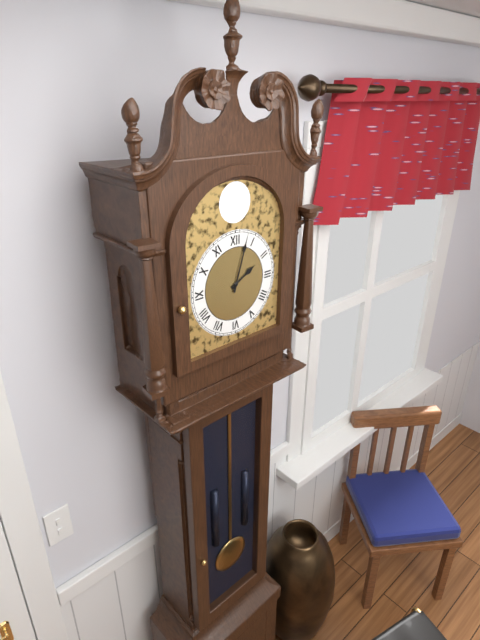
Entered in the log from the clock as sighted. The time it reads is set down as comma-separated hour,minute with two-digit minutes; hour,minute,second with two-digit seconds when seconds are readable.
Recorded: 2,03
